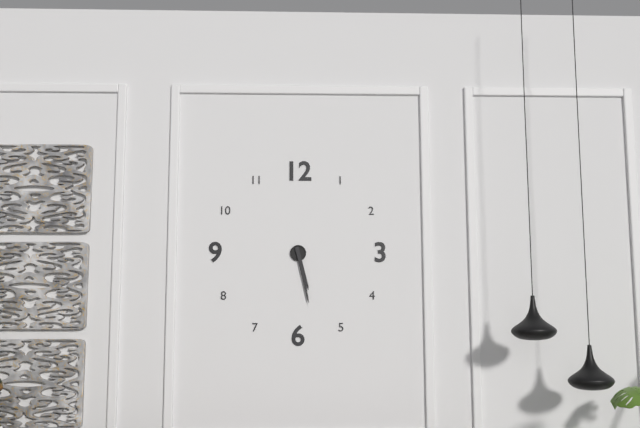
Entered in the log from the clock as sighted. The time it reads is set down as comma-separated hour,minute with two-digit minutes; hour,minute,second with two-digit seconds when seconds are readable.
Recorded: 5,28
